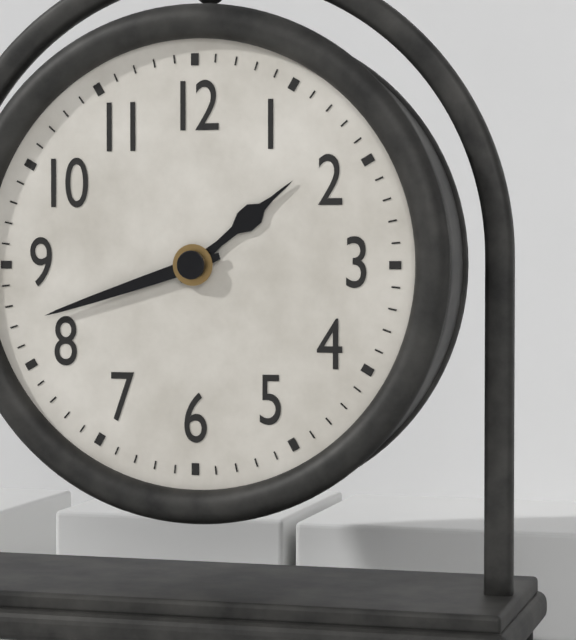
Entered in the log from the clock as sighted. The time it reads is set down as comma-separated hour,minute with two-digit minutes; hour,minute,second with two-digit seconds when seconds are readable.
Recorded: 1,42
